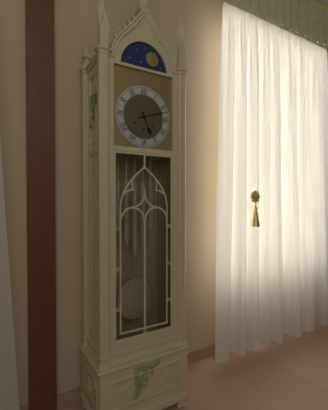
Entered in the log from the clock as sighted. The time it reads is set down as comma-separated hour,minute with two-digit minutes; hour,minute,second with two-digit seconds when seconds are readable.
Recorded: 5,12
